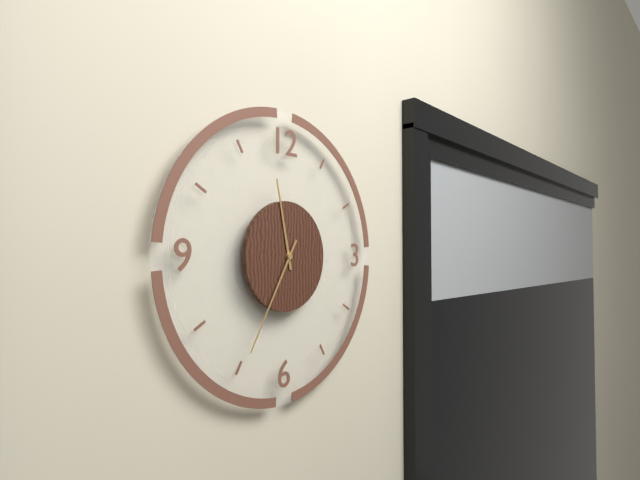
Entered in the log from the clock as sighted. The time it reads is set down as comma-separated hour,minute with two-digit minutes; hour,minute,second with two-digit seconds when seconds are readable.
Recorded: 11,35
